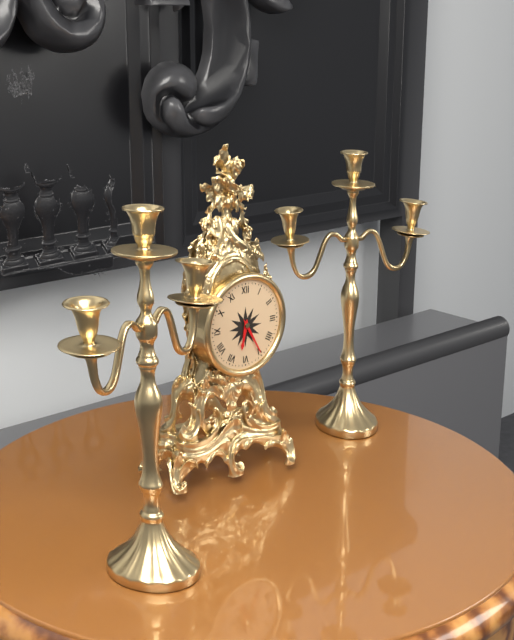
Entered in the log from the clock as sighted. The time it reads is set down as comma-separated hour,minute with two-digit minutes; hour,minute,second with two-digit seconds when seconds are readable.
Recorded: 6,25
